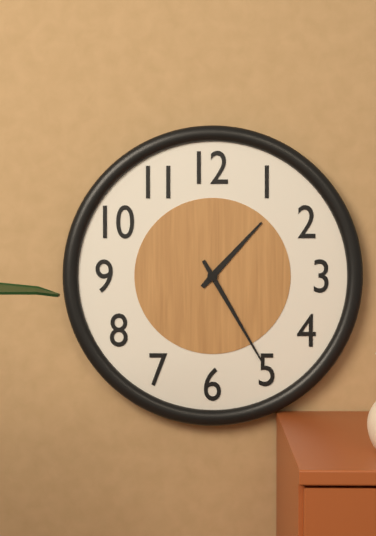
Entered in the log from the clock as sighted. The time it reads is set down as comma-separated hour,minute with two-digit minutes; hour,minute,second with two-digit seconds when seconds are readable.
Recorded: 1,25
